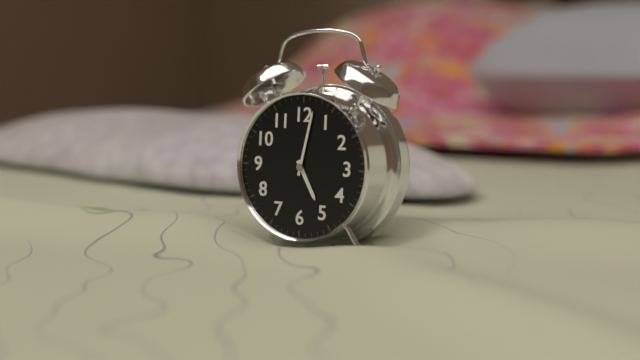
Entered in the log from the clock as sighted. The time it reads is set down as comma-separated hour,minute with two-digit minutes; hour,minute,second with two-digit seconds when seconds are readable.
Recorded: 5,02
